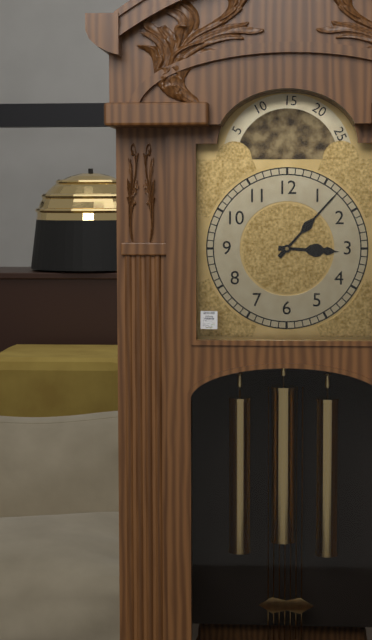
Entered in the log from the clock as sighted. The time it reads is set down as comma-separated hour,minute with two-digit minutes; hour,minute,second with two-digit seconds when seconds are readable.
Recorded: 3,07
